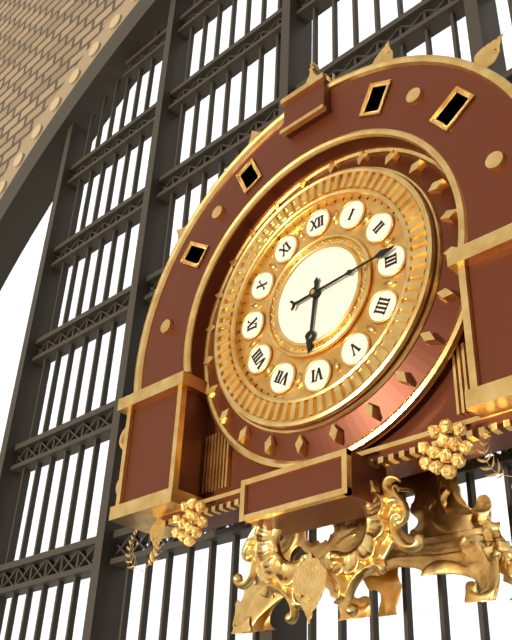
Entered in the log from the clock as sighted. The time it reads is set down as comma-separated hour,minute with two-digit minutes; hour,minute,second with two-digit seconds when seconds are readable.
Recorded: 6,14
